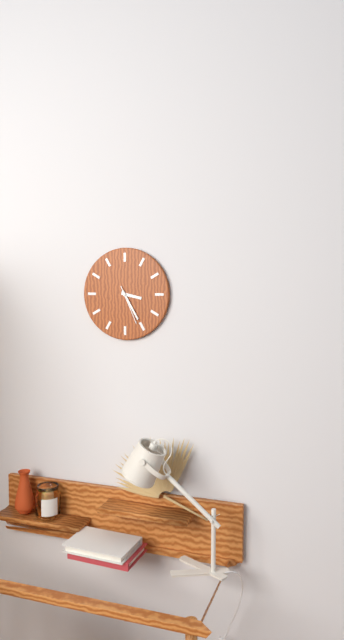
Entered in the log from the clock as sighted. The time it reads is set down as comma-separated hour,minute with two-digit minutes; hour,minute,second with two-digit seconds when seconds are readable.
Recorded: 3,25
